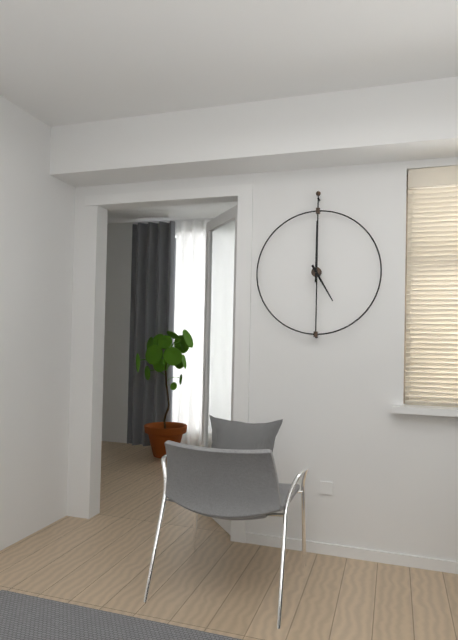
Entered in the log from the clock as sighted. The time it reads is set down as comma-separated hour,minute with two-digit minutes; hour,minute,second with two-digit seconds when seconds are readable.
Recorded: 5,00
